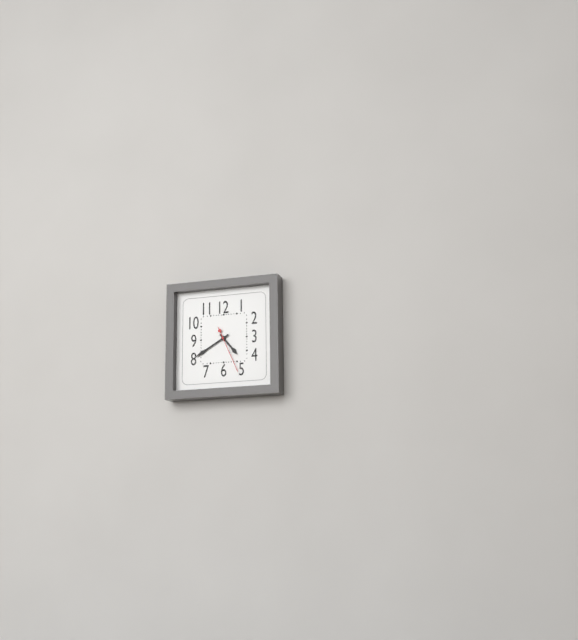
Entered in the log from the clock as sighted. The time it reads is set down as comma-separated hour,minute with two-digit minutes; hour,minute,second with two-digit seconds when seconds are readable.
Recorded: 4,40
